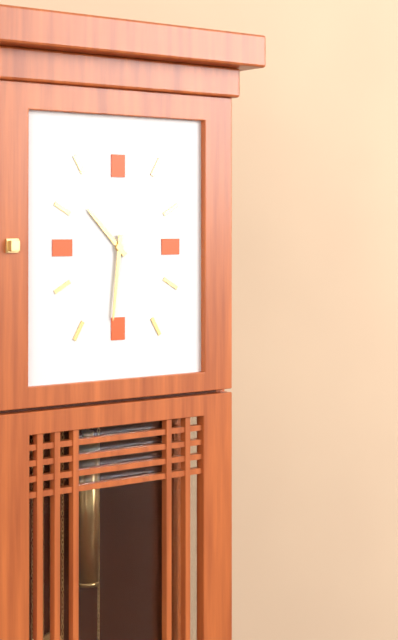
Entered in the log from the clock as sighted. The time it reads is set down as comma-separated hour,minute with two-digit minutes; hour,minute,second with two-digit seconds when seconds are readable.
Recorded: 10,31
